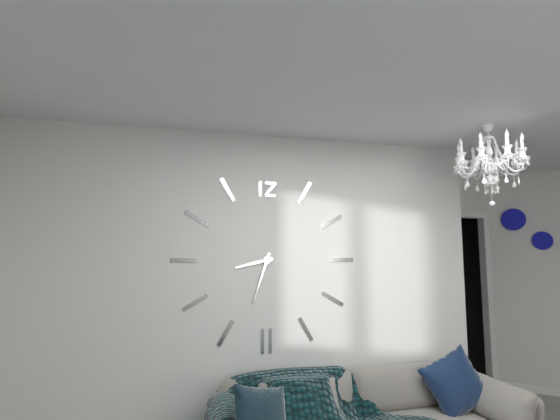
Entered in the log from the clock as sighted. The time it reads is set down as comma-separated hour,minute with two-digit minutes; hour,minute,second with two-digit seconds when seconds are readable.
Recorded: 8,33
